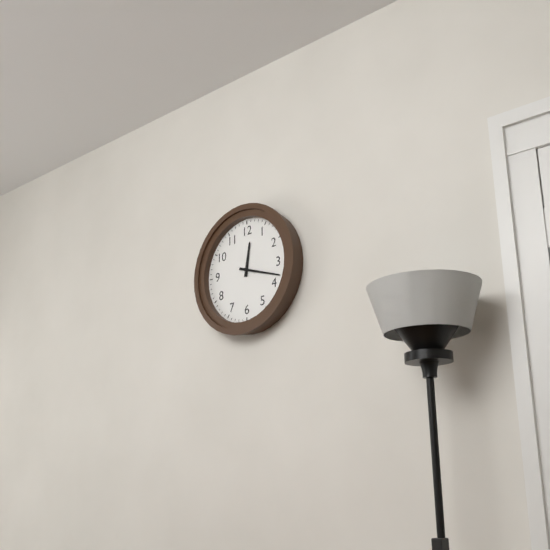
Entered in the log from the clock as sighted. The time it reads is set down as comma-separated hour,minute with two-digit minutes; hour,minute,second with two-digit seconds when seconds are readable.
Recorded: 12,18
